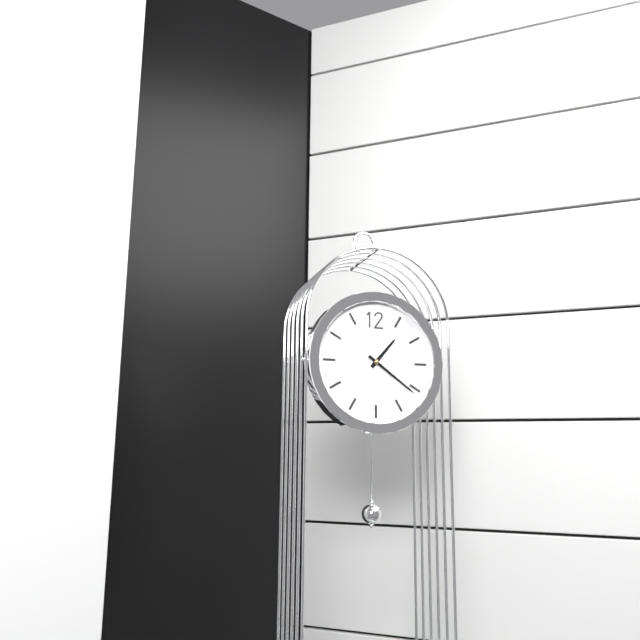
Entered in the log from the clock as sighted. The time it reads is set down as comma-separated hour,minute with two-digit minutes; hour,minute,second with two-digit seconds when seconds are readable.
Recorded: 1,21
